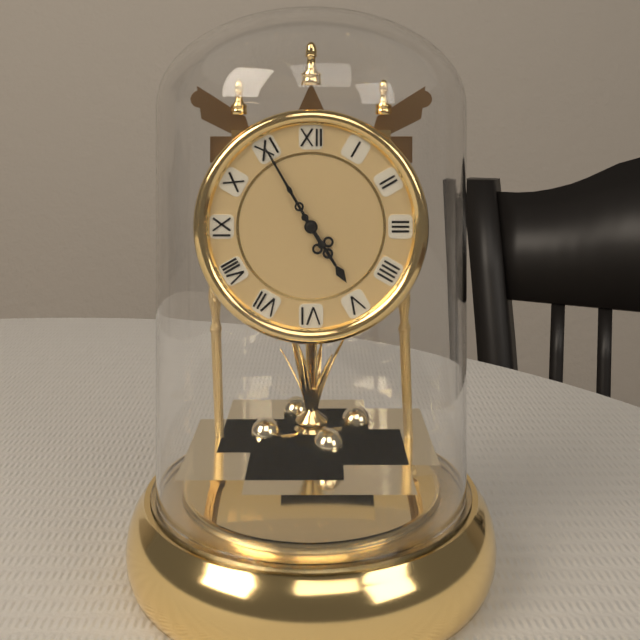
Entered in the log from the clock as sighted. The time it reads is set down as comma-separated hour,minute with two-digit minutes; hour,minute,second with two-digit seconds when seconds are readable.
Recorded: 4,55
